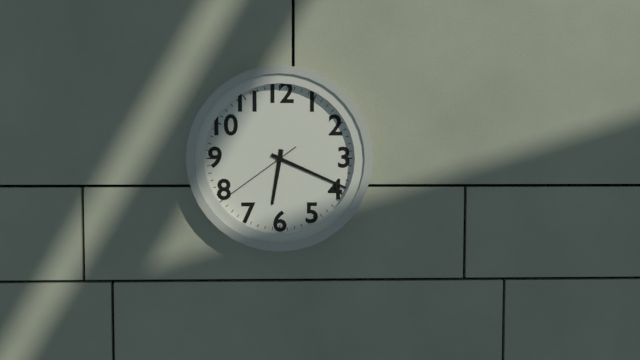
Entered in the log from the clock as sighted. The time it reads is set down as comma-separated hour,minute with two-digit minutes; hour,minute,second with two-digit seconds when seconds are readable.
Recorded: 6,19,39
